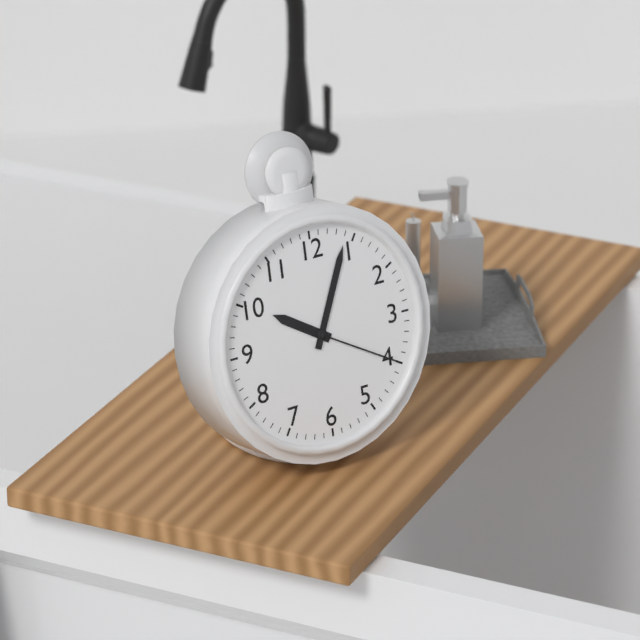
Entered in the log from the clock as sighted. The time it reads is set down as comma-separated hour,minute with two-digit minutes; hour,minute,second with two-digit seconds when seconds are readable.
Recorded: 10,04,20
